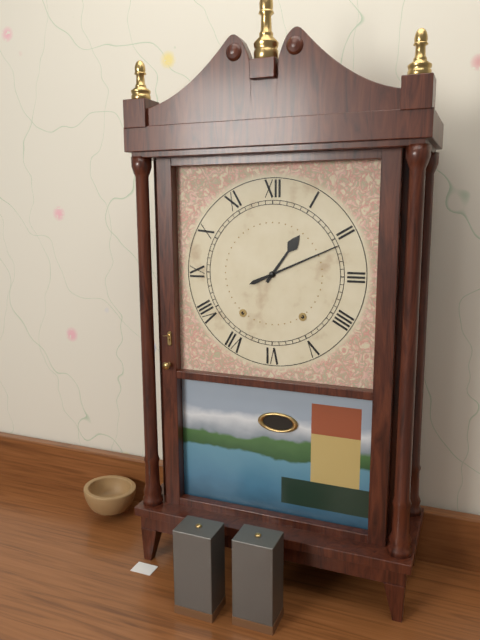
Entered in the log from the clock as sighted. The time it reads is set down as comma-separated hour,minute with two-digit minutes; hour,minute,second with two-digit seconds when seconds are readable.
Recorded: 1,11
